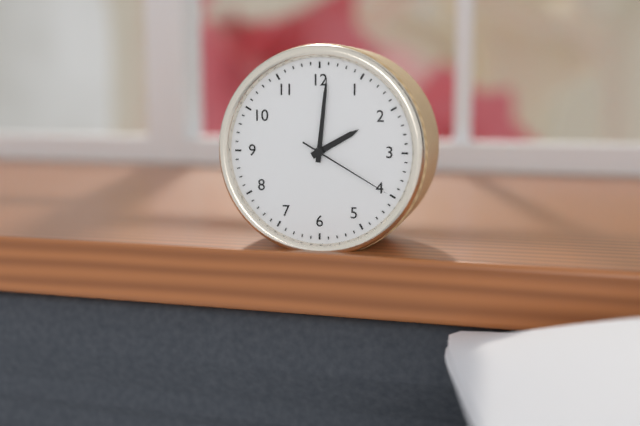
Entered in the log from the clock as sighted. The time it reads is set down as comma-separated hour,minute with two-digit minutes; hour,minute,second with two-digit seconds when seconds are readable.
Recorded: 2,01,20
